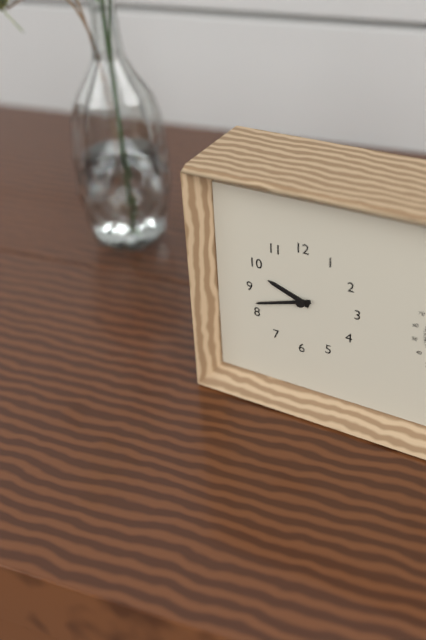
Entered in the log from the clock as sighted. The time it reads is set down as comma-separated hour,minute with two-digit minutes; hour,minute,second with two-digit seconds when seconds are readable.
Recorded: 9,42
